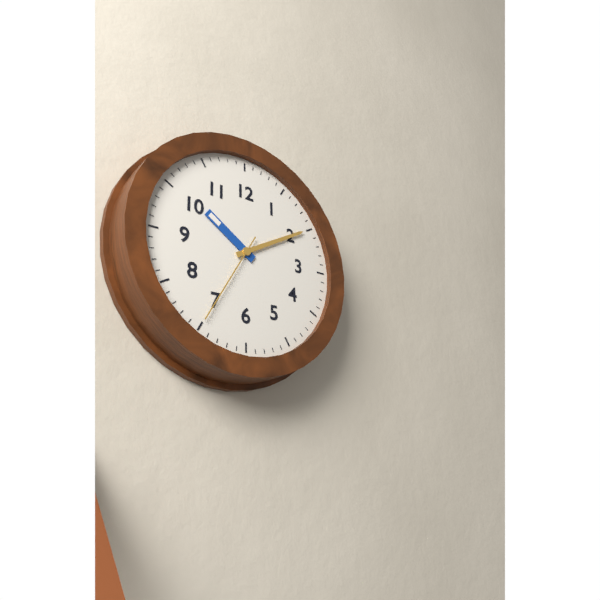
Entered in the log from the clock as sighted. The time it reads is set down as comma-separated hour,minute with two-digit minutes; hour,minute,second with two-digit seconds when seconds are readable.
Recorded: 10,10,35
